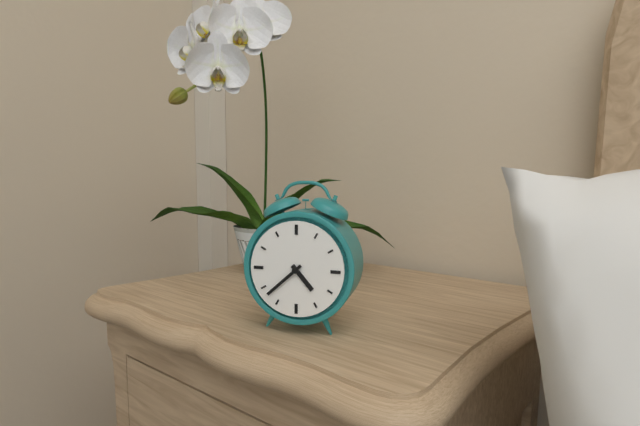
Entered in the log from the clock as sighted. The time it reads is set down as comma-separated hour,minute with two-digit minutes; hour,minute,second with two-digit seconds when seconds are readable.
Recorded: 4,38
